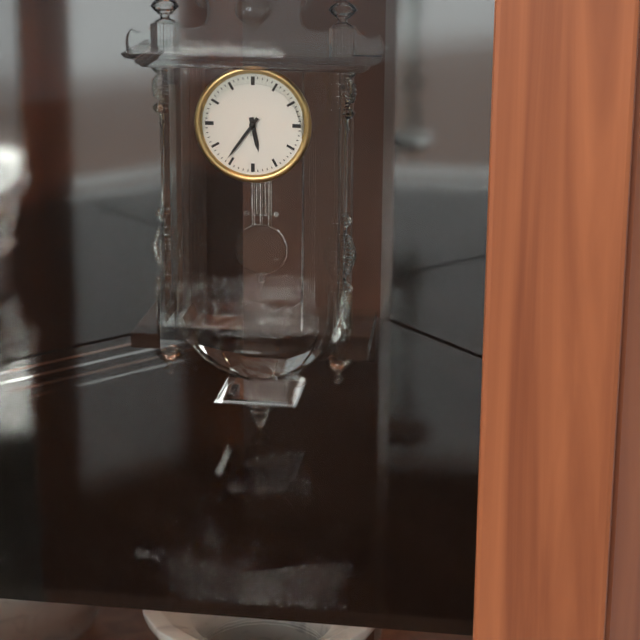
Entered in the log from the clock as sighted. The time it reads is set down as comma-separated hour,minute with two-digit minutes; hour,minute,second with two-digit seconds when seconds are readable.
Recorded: 5,36
